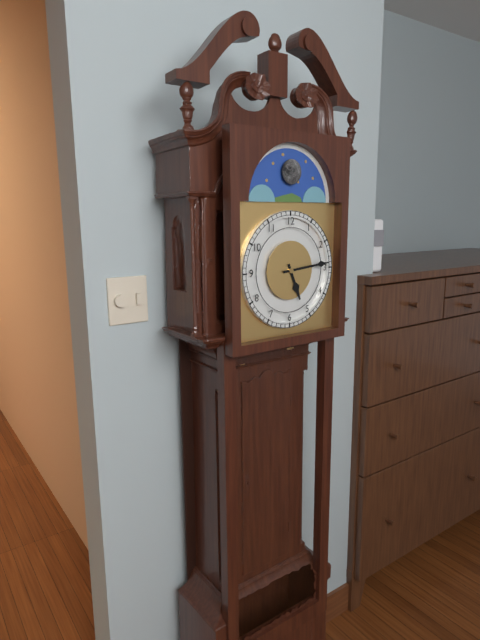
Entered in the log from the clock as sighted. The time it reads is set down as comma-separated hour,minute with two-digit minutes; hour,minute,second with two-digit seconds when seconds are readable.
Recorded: 5,14
